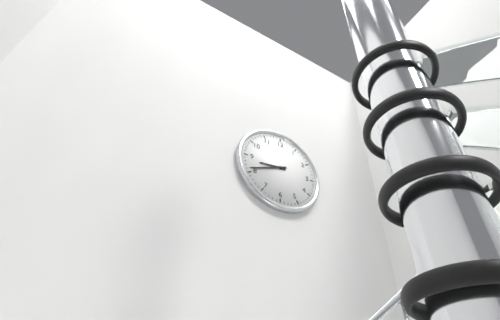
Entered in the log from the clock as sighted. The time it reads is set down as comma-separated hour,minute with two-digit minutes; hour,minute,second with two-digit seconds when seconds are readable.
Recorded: 8,41
